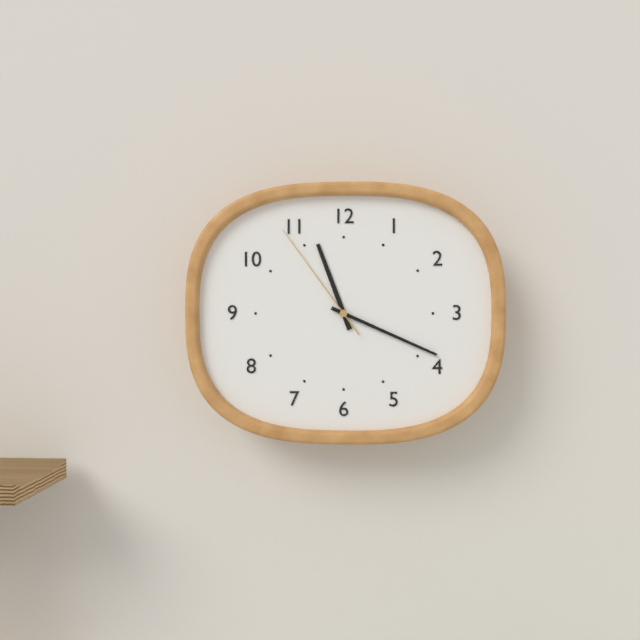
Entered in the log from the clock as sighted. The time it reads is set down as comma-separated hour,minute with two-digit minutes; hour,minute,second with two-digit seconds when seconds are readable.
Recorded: 11,19,54
